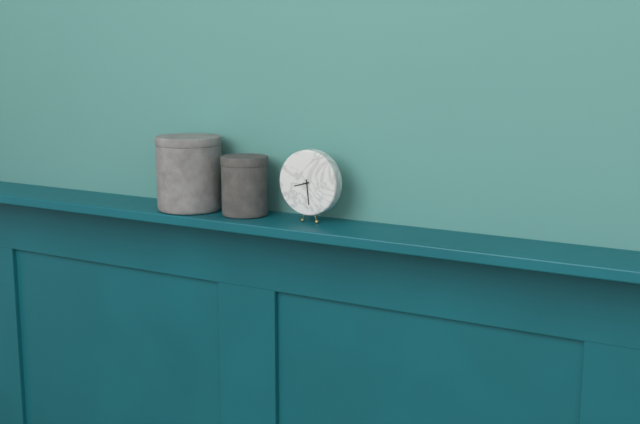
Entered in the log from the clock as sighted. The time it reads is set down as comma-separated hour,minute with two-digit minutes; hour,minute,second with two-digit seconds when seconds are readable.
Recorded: 8,29
